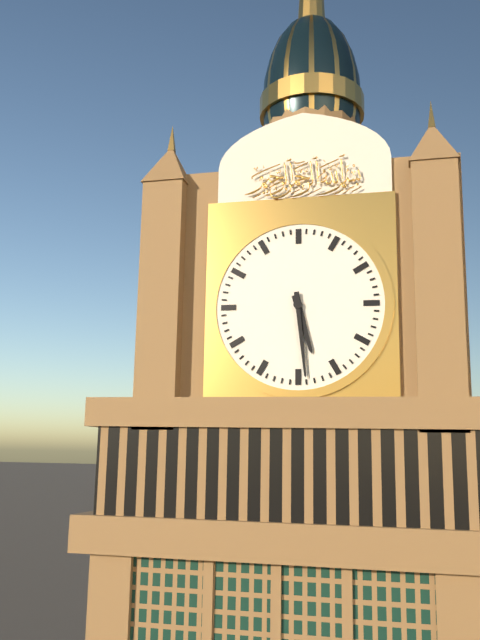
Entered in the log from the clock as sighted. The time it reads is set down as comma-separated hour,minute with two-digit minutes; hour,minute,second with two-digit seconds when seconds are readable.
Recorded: 5,29
